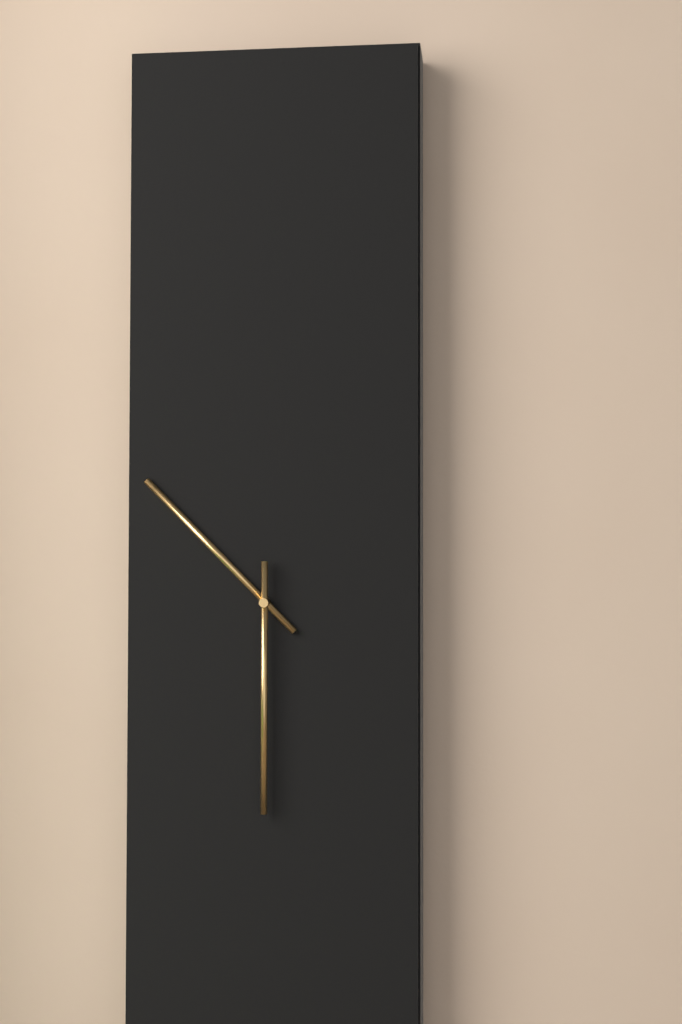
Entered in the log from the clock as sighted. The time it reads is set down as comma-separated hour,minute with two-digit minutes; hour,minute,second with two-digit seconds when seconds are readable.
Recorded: 10,30
